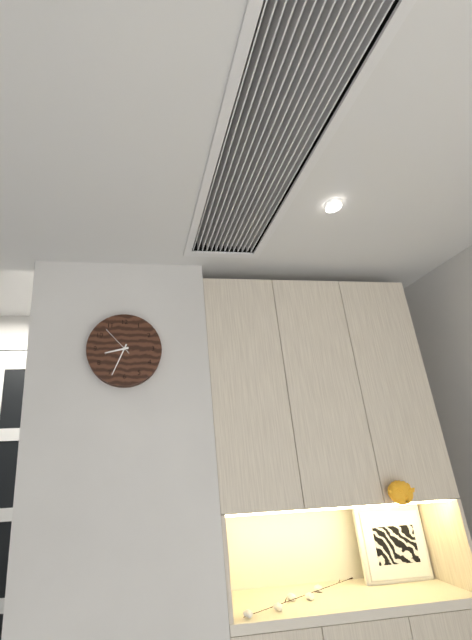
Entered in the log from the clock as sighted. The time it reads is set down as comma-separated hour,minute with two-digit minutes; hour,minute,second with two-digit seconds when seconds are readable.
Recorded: 8,34
